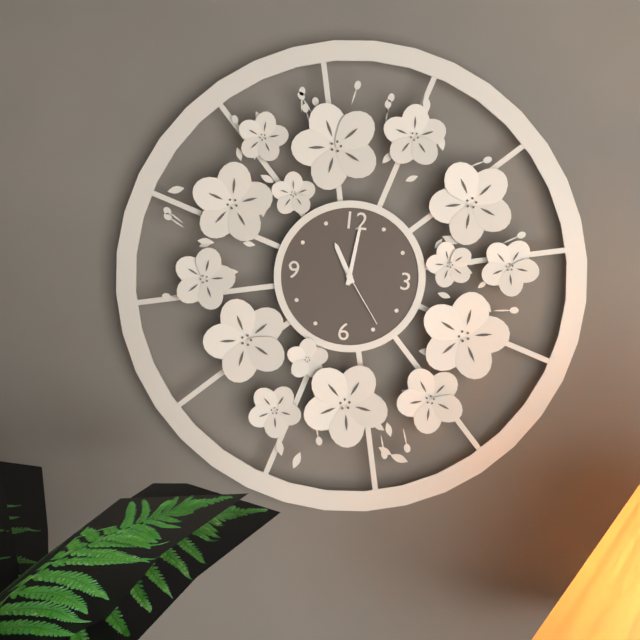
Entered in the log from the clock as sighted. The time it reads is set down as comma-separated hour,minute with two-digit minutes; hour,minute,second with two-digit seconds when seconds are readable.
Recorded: 11,01,24
